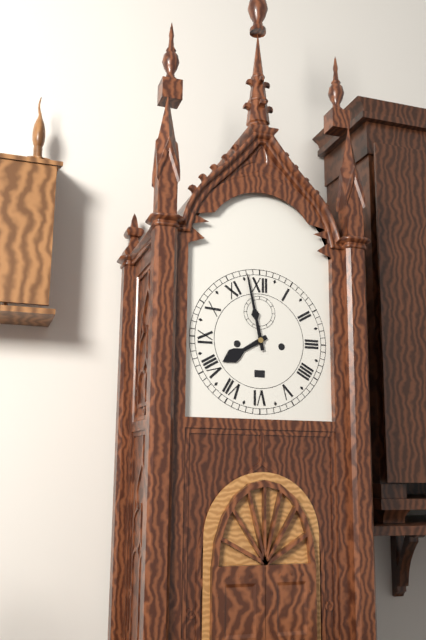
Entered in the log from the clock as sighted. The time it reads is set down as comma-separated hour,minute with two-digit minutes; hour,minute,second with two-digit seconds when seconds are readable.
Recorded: 7,58
